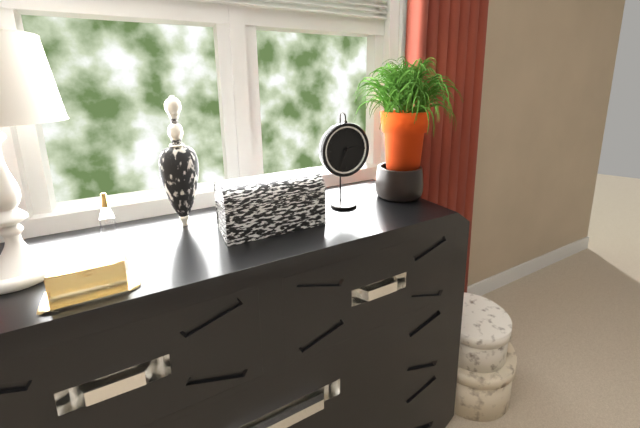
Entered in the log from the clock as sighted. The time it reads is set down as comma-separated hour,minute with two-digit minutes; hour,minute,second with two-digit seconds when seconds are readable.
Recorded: 2,34
